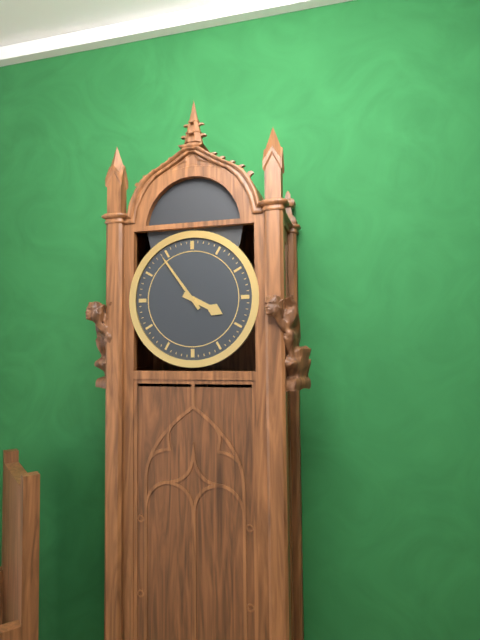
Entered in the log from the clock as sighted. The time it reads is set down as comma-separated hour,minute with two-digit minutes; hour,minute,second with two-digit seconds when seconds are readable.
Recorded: 3,54
